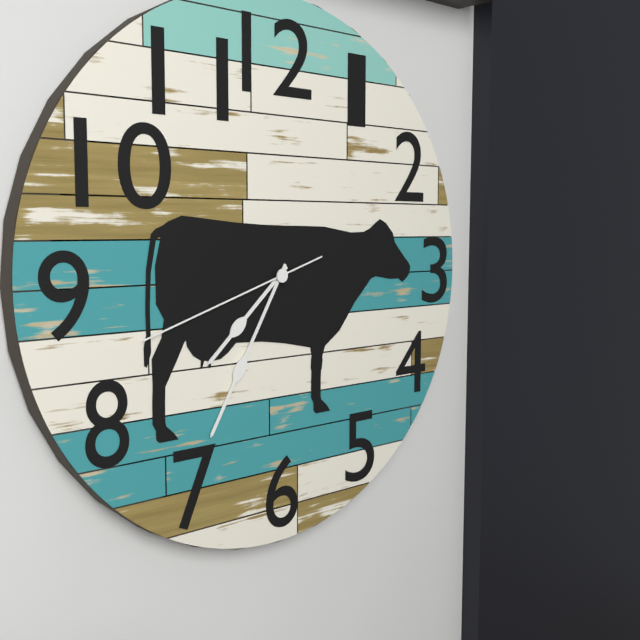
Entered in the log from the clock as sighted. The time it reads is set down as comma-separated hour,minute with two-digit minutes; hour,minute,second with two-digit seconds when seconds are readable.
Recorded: 7,35,42
